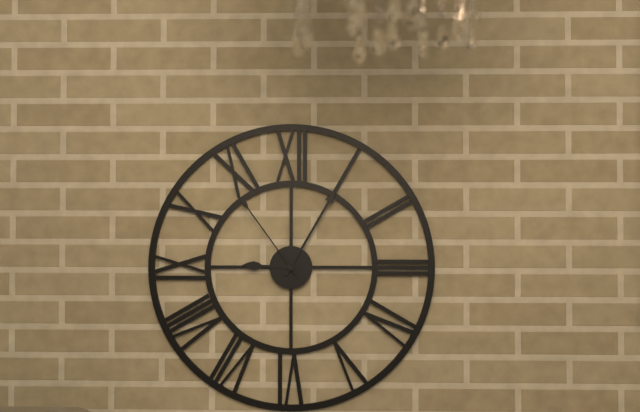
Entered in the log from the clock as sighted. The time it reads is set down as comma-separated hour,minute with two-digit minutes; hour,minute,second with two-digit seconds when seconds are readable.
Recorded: 9,05,54
